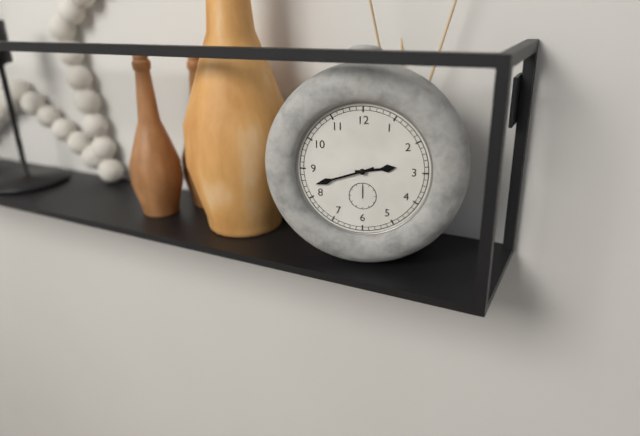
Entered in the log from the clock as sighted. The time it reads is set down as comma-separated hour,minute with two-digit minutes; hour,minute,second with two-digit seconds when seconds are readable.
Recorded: 2,42
